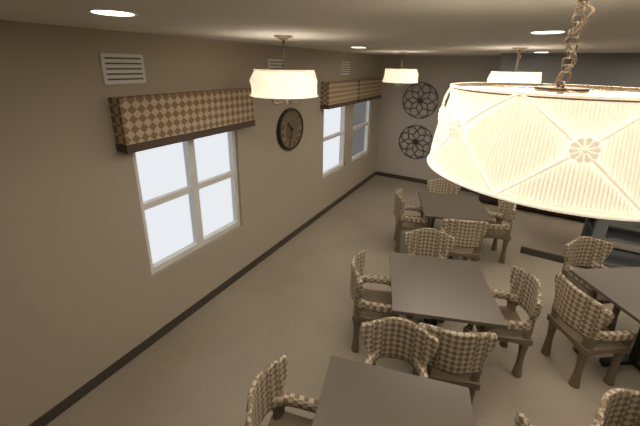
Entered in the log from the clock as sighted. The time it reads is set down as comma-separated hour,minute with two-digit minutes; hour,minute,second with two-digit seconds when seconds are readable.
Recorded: 10,33
